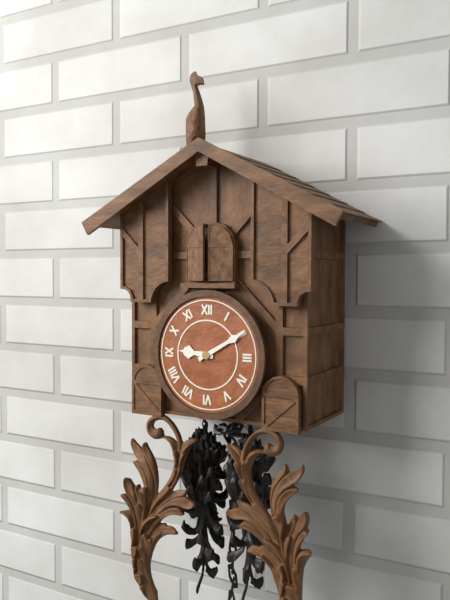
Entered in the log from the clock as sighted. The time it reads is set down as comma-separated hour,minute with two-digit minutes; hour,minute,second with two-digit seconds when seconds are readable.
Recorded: 9,10
